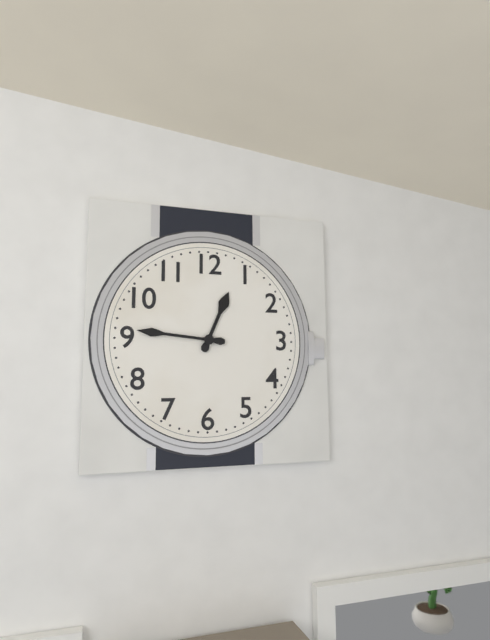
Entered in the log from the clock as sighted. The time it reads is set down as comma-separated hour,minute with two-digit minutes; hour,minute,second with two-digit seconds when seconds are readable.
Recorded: 12,46
